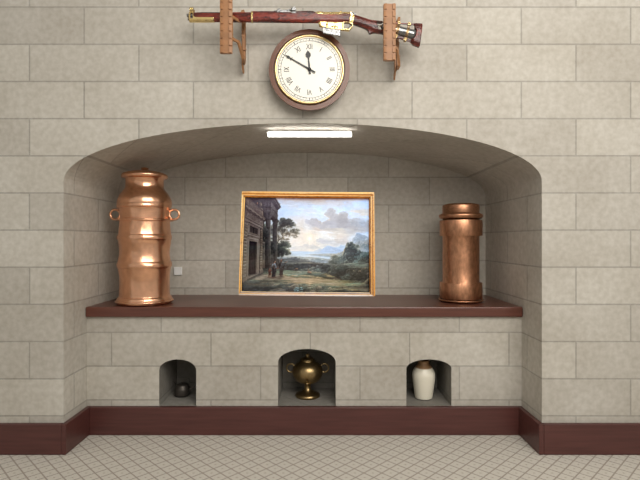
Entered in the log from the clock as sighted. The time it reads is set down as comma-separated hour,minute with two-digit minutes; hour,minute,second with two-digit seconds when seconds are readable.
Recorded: 11,50
